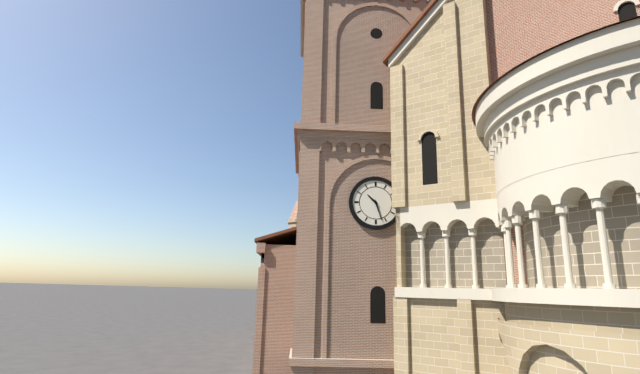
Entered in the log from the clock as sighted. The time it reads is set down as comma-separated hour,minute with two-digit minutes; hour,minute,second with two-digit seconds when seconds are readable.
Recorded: 10,27
